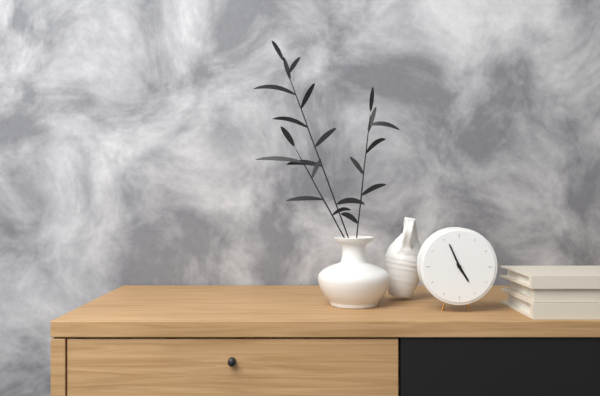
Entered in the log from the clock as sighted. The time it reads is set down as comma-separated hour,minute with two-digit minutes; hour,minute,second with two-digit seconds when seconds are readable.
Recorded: 4,56
